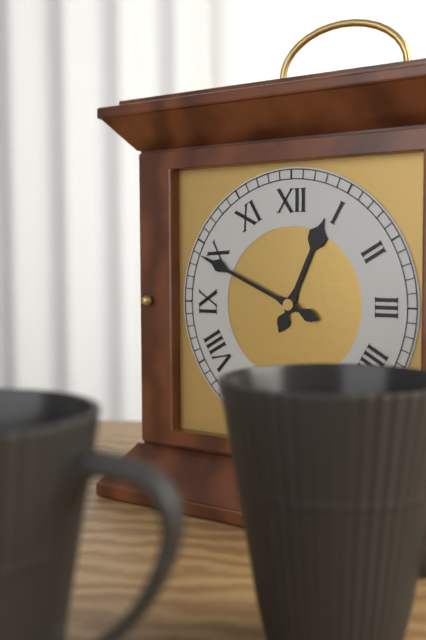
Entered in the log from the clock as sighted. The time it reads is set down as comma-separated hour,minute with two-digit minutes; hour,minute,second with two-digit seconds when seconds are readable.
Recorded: 12,49
